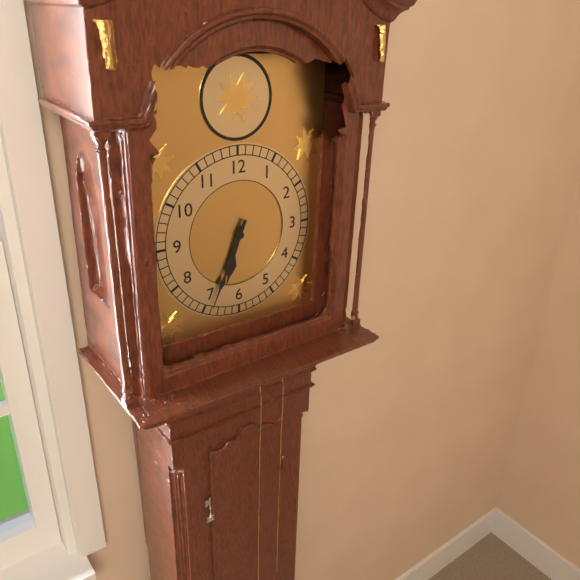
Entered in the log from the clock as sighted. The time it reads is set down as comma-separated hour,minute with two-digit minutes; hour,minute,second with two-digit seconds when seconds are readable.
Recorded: 6,34
